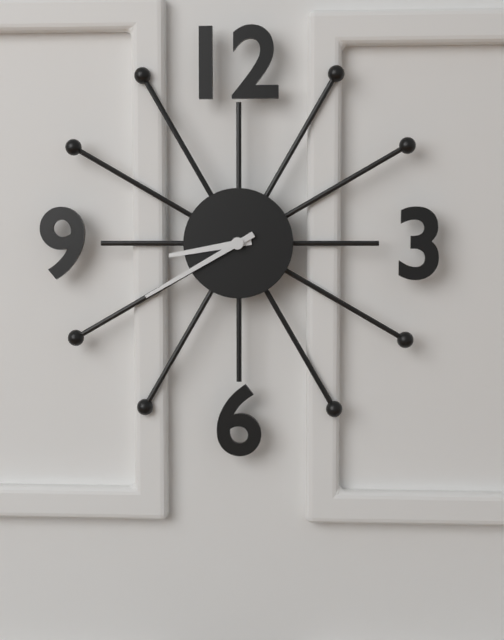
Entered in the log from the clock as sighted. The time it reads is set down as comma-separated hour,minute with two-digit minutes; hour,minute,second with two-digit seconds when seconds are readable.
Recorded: 8,40
